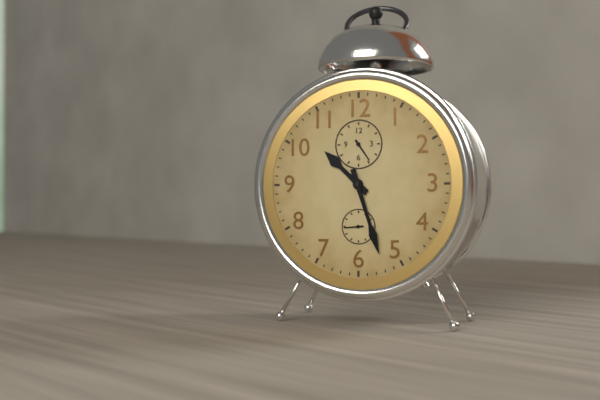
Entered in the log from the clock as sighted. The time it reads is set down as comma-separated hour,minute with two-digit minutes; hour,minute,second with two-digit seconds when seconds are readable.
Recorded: 10,27
